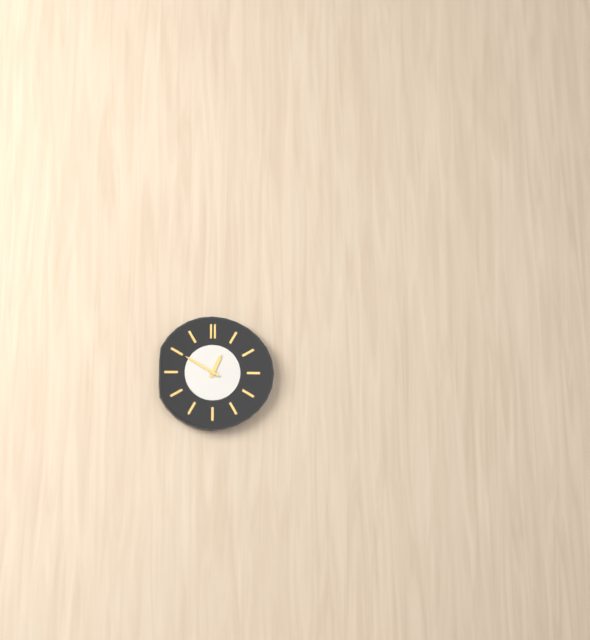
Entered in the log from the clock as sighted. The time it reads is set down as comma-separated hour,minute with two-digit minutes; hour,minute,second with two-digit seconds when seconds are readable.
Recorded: 12,50
